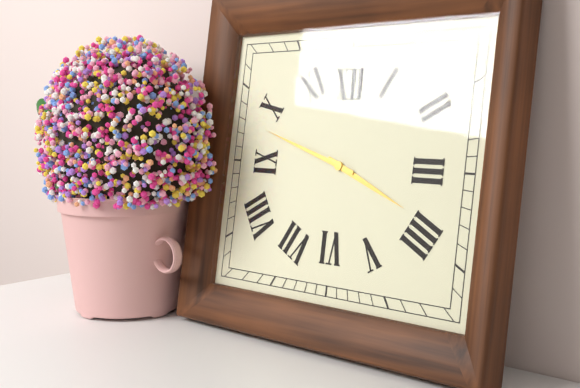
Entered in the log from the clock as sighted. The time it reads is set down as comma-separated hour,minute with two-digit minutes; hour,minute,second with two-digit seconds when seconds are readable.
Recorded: 3,48
